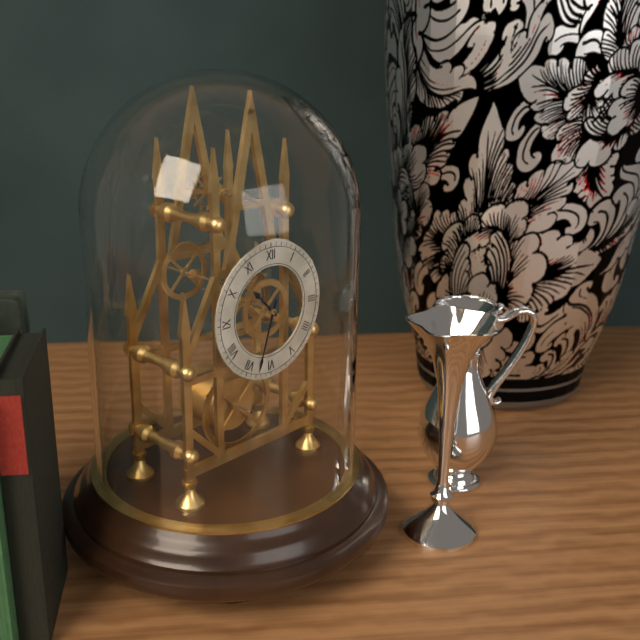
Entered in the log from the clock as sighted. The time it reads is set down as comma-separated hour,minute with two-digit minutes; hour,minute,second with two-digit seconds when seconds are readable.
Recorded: 10,33
